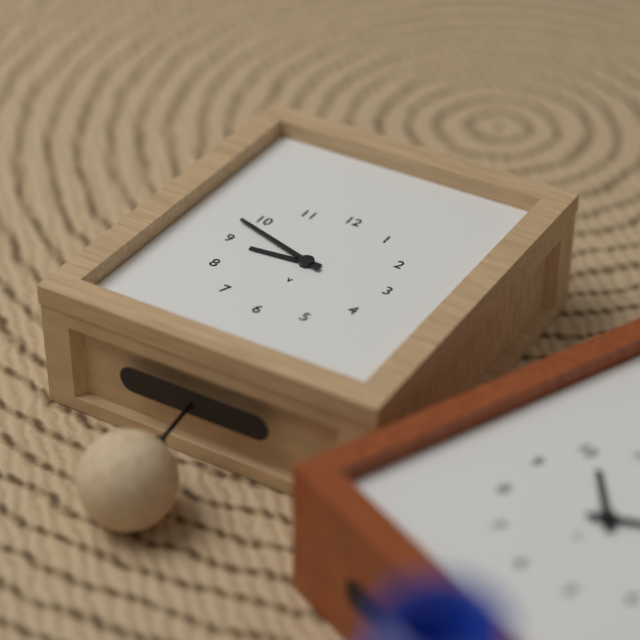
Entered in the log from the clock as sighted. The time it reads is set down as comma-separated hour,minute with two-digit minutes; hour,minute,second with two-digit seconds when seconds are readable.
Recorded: 8,48
